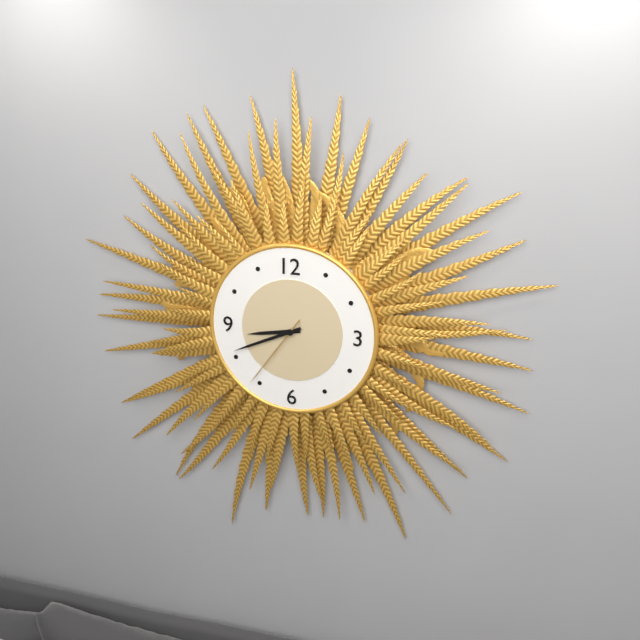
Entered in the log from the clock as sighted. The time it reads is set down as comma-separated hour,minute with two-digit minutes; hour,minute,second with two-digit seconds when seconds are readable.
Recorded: 8,41,36
